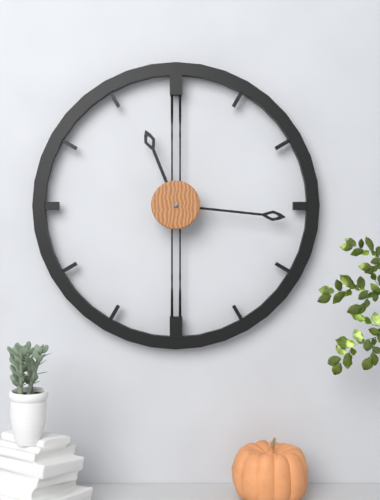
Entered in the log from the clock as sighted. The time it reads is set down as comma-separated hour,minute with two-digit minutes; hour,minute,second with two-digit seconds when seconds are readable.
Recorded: 11,16
